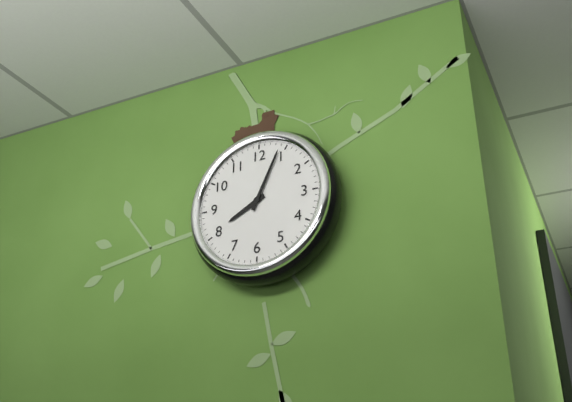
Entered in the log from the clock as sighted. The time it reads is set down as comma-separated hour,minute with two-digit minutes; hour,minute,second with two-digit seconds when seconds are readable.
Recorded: 8,04
